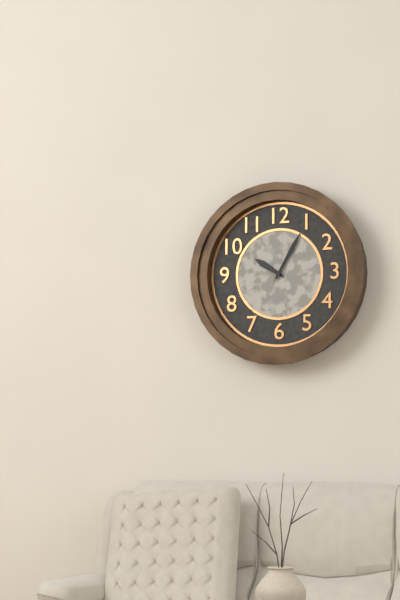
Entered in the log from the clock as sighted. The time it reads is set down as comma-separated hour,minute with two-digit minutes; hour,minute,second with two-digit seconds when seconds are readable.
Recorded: 10,05,05
